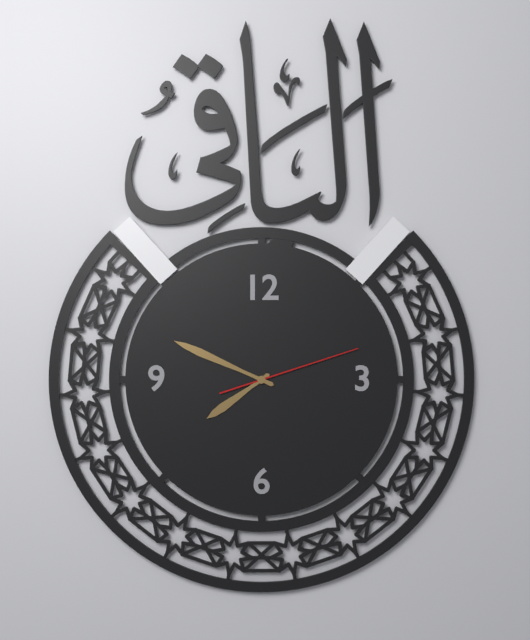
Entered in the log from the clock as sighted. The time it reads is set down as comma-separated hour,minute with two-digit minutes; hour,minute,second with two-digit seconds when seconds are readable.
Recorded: 7,49,12
